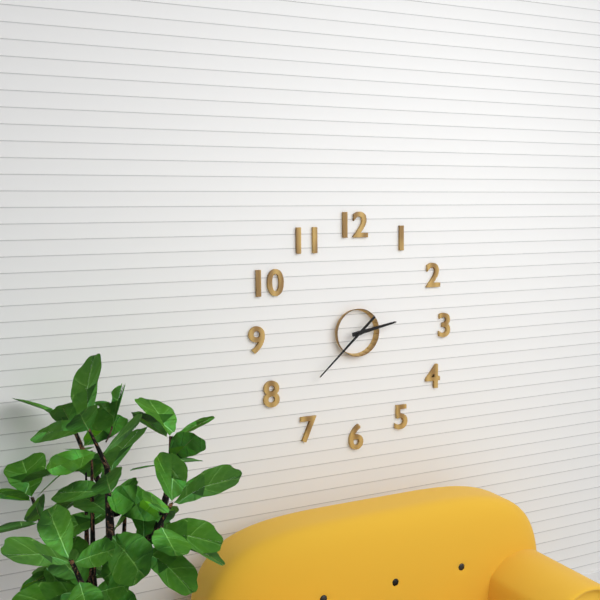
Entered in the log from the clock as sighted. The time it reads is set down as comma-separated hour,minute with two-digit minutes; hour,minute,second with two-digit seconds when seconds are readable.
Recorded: 2,38
